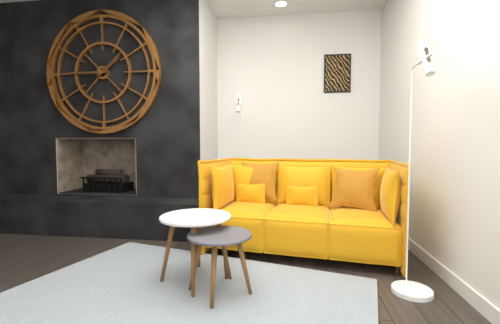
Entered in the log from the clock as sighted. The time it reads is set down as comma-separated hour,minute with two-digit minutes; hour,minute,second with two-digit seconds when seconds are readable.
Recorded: 1,45
